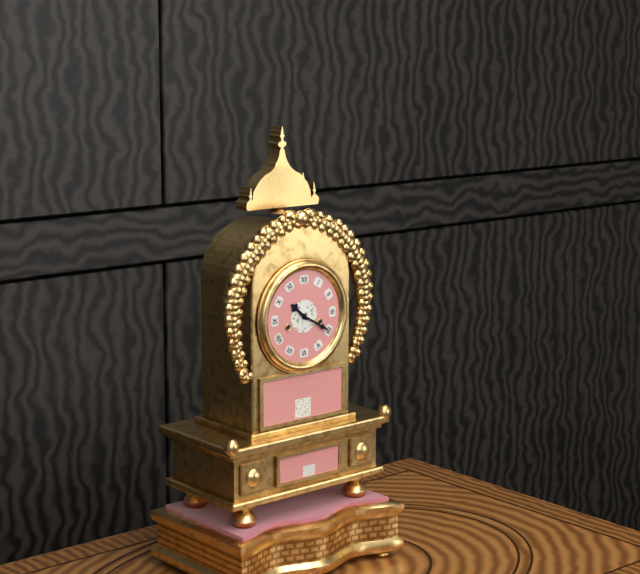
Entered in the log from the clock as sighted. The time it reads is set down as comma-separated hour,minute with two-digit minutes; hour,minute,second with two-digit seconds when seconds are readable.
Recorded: 10,20
